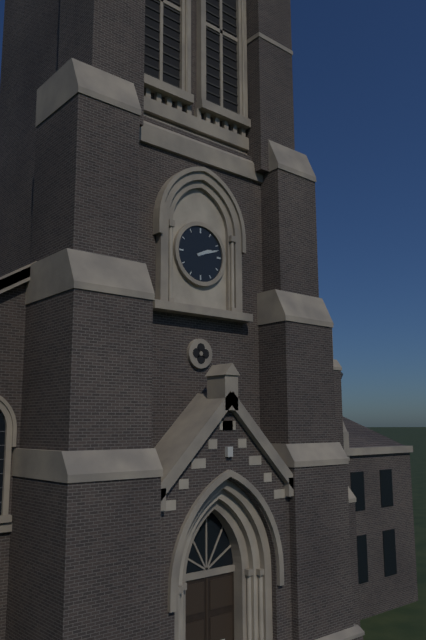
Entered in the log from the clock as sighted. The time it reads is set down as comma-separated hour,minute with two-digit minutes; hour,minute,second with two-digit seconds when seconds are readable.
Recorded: 2,12
